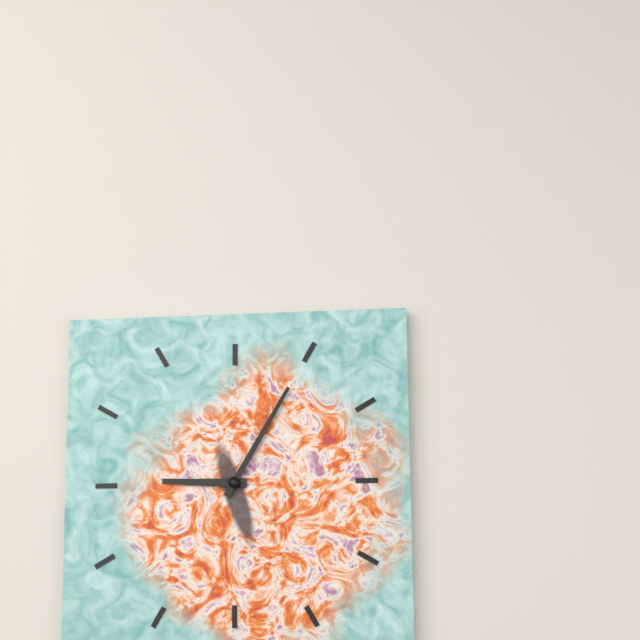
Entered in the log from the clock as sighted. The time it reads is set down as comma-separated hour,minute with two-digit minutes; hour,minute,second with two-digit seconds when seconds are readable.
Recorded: 9,05
